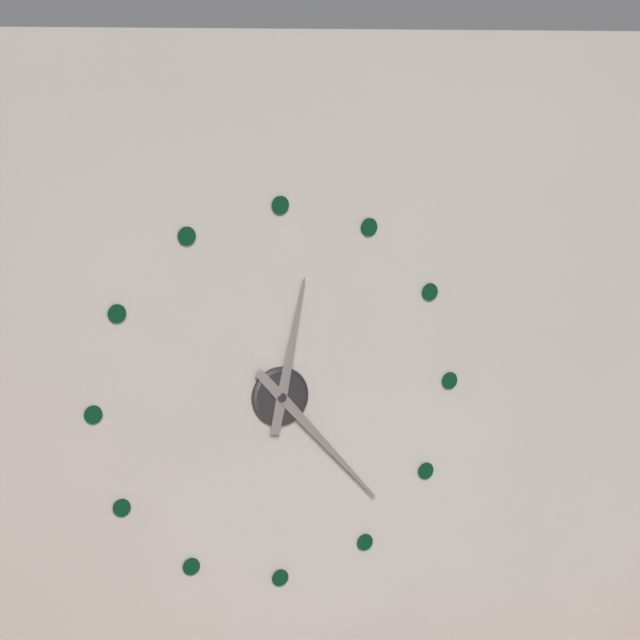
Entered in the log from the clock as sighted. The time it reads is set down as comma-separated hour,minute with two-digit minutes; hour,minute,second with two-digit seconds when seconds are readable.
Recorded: 12,23
